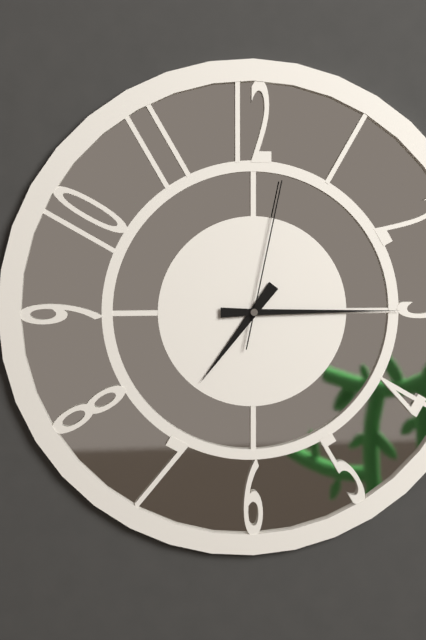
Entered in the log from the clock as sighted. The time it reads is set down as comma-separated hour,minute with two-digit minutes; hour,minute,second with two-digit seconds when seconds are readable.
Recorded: 7,15,02
